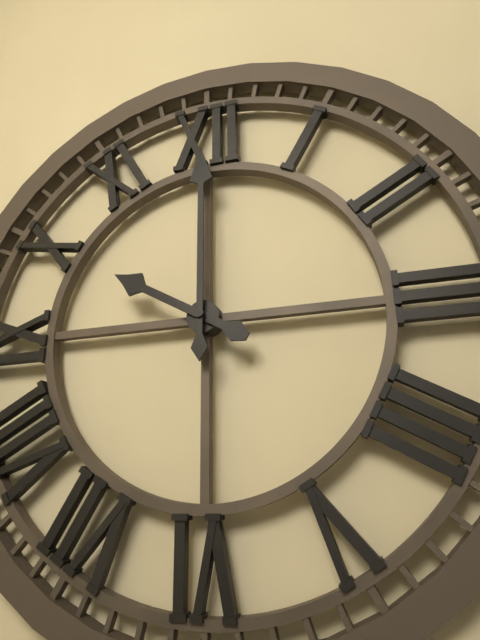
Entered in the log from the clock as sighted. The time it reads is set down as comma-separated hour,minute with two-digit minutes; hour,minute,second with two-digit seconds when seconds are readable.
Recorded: 10,00
